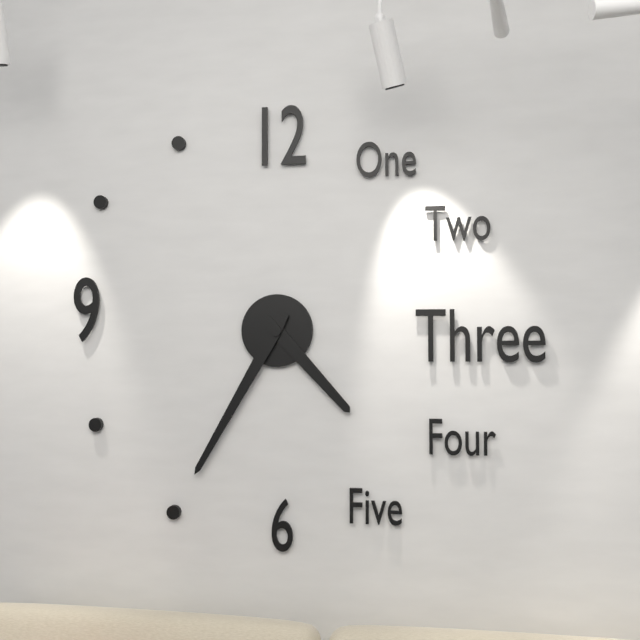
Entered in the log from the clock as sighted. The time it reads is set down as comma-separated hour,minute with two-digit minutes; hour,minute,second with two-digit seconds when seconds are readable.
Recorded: 4,35
